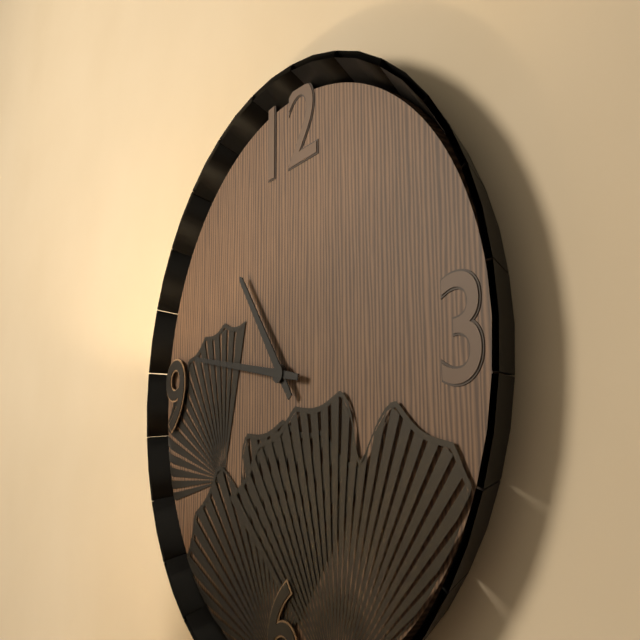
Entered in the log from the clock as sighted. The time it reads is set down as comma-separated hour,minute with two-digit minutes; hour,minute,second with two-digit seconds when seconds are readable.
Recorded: 10,47
